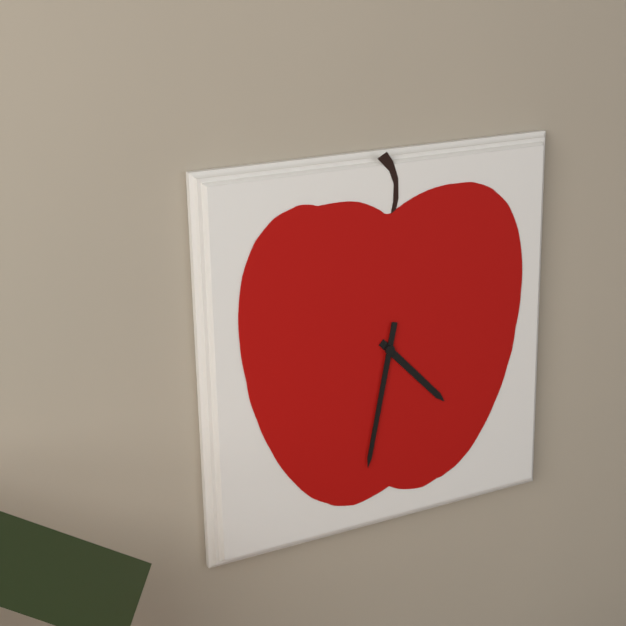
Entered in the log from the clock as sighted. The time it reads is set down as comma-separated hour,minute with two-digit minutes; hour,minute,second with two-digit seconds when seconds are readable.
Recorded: 4,32
